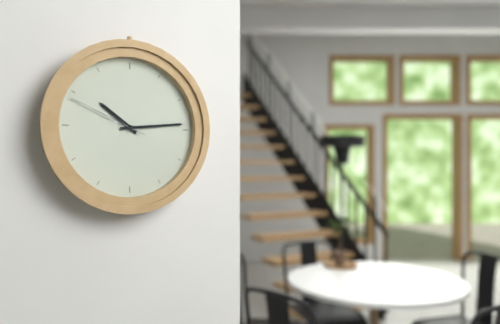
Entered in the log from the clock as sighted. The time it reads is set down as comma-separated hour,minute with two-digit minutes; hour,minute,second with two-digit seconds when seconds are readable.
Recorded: 10,14,49
